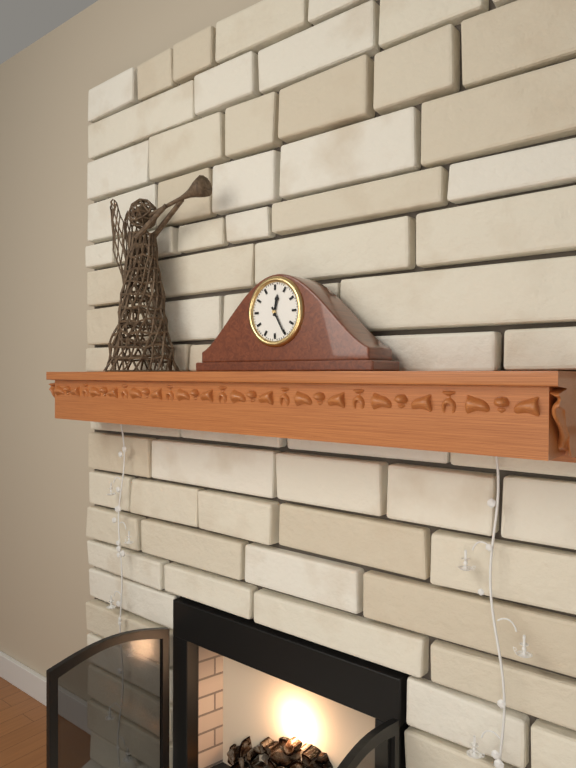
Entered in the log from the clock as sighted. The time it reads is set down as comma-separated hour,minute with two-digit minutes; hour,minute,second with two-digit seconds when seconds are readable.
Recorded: 12,25
